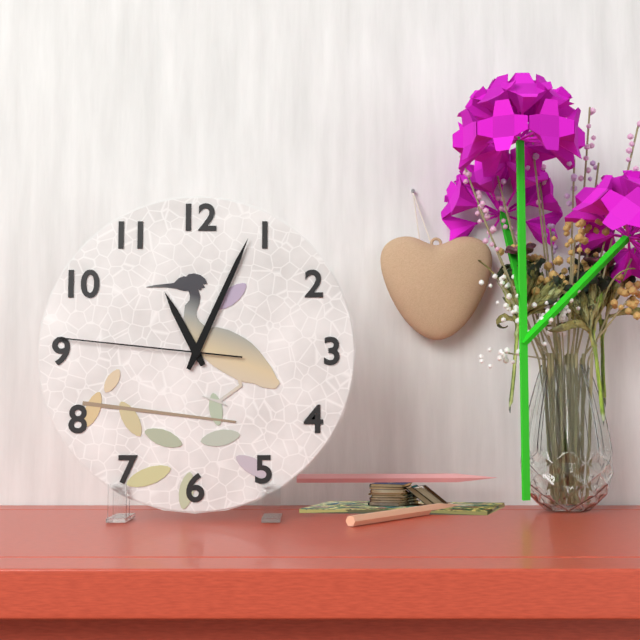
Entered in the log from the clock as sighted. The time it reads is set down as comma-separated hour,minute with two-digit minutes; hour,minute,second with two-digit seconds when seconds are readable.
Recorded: 11,04,46
